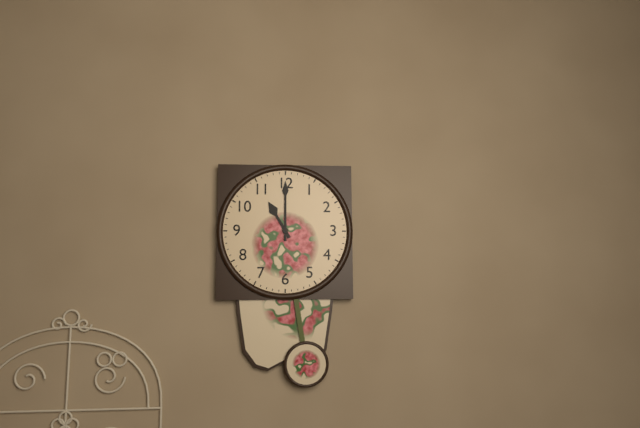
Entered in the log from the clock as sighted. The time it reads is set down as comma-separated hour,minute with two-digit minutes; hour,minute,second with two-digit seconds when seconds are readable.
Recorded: 11,00
